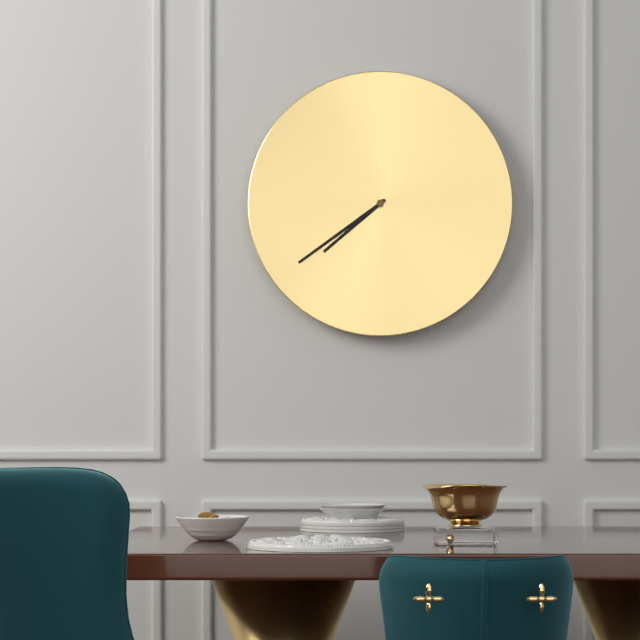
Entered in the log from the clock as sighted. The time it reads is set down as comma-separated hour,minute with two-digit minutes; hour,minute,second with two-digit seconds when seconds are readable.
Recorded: 7,39
